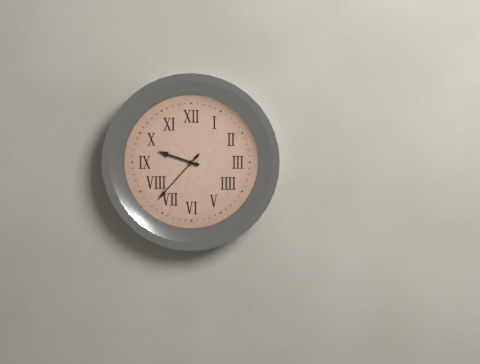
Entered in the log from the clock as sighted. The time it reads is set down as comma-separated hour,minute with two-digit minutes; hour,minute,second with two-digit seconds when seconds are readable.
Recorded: 9,37
